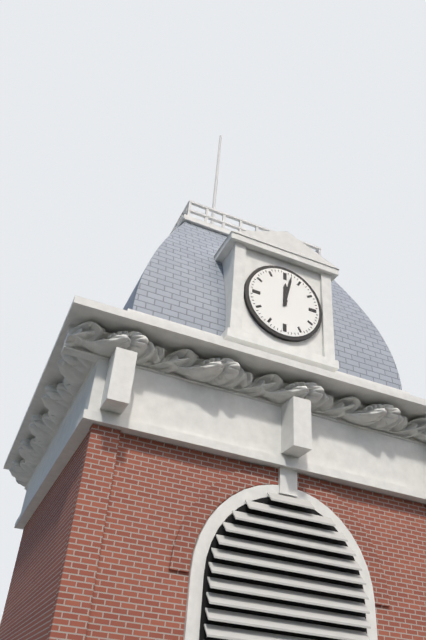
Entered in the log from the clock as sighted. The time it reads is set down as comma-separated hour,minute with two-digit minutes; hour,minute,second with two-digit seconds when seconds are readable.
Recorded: 12,02
